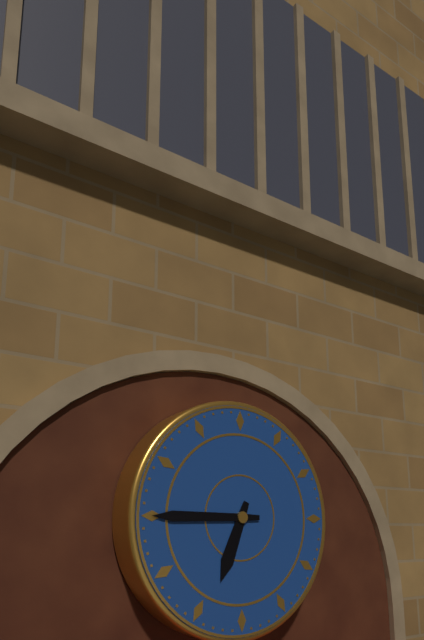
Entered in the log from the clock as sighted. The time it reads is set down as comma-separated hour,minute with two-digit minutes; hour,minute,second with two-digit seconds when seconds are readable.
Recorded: 6,45
